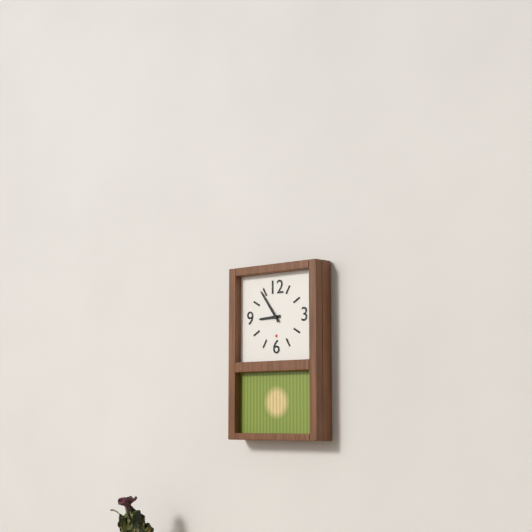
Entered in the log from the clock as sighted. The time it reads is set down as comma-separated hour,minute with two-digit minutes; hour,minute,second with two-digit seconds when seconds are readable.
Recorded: 8,54
